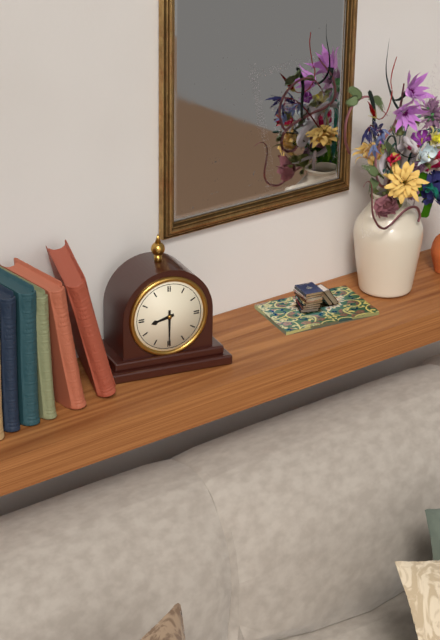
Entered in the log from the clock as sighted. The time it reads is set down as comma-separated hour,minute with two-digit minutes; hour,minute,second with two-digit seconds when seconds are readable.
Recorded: 8,30
